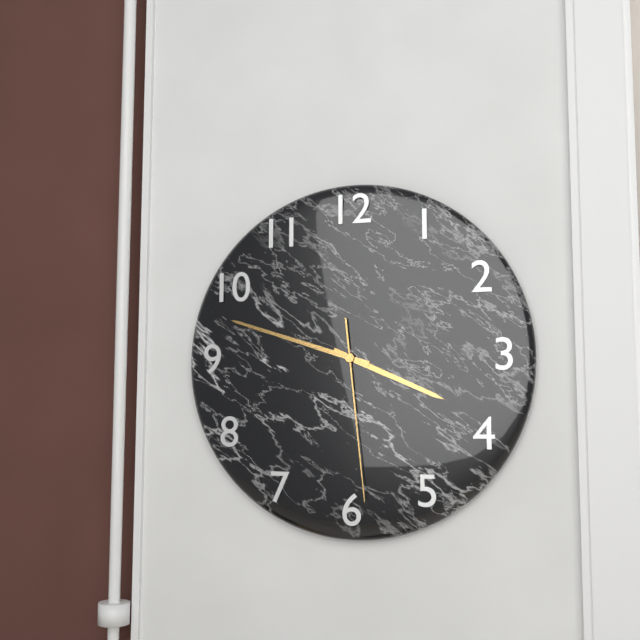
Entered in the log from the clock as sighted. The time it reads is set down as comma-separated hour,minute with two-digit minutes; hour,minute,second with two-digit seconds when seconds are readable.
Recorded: 3,48,29
